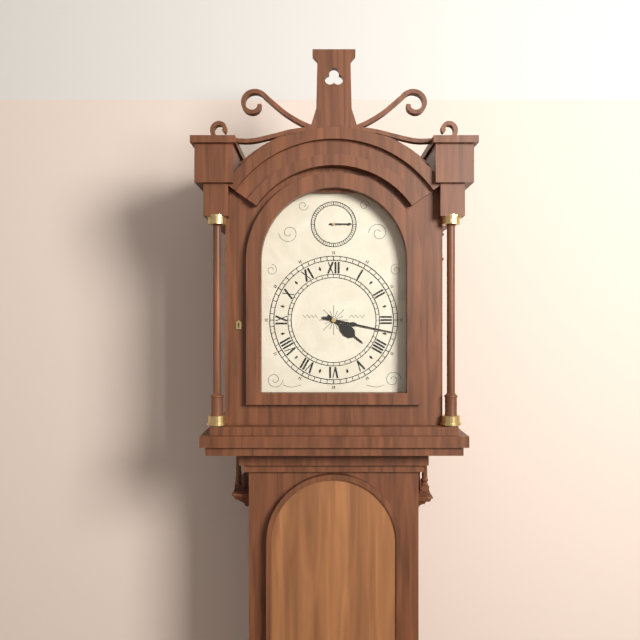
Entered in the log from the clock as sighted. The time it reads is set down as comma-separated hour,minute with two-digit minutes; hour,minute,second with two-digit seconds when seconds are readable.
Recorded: 4,17
